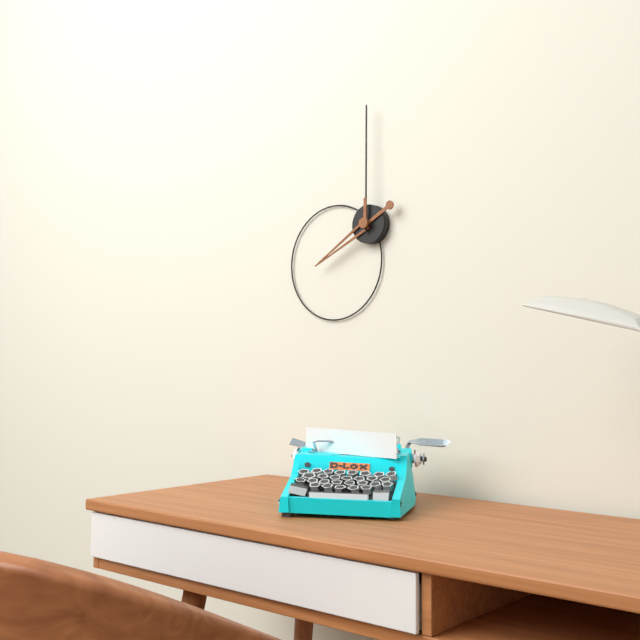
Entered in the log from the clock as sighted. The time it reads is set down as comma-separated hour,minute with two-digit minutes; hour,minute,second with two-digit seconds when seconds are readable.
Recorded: 8,00
